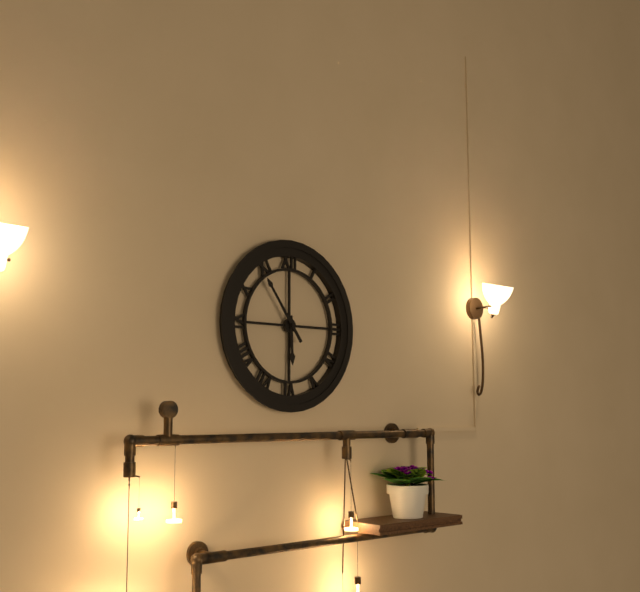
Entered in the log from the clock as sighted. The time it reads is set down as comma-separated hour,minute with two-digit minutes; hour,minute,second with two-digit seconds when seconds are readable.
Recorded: 5,54
